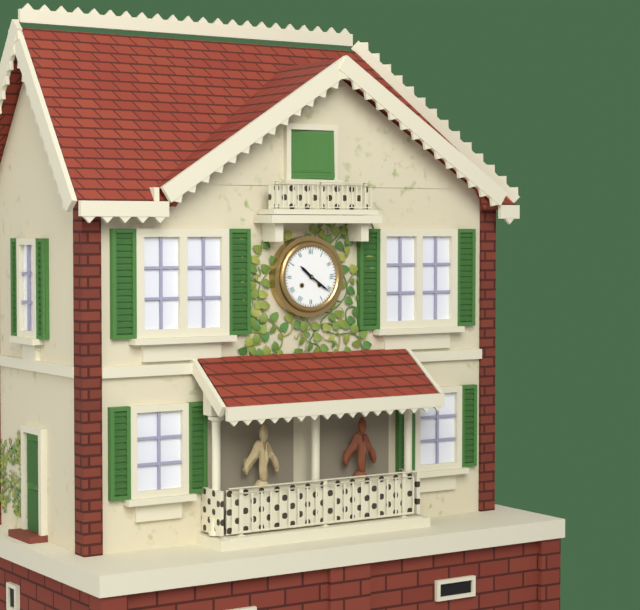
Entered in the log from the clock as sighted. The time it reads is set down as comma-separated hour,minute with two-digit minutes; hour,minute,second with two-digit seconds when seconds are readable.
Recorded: 10,21
